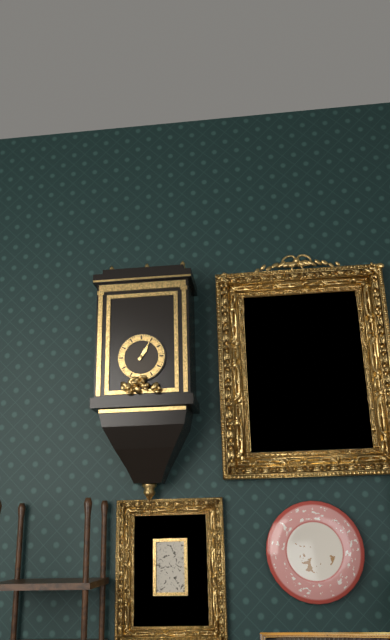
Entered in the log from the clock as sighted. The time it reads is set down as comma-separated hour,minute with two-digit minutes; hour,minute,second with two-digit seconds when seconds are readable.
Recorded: 1,05
